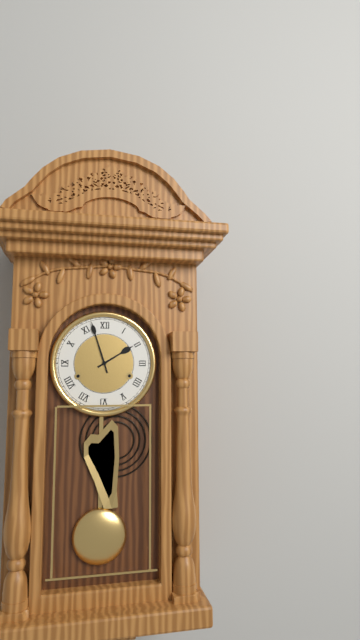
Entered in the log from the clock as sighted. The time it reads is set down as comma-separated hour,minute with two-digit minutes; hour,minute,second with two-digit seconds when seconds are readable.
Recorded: 1,57
